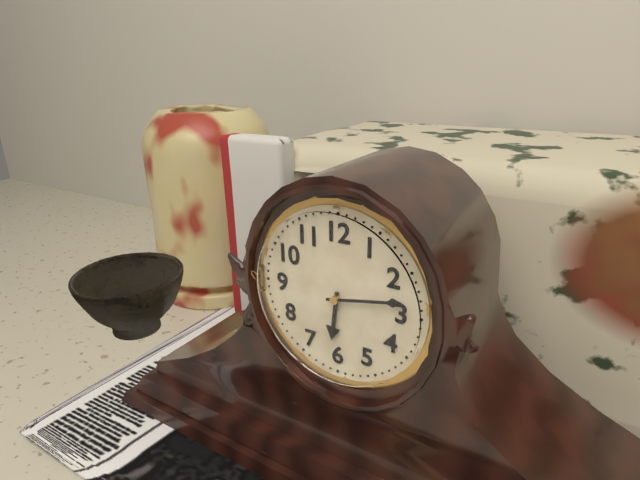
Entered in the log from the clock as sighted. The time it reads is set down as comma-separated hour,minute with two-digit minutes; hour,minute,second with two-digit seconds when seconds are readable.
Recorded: 6,13
